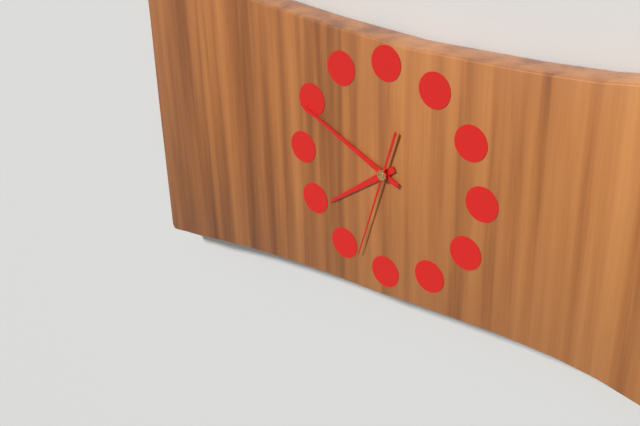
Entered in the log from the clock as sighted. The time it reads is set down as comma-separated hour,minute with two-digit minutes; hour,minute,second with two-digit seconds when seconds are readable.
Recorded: 7,49,33
